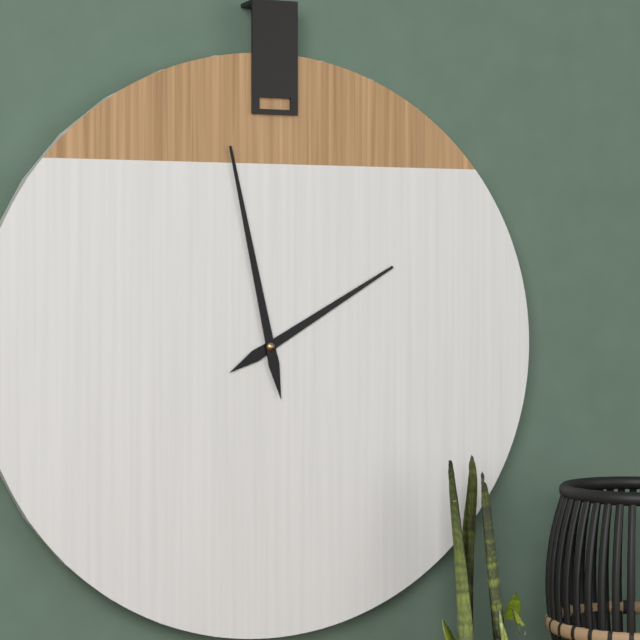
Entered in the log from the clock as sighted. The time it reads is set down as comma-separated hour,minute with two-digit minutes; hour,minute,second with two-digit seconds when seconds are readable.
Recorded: 1,58
